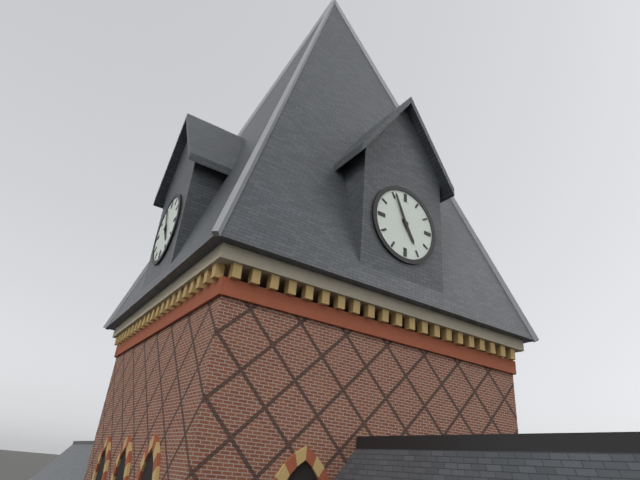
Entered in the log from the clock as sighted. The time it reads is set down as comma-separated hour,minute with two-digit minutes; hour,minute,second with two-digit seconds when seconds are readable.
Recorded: 4,56
